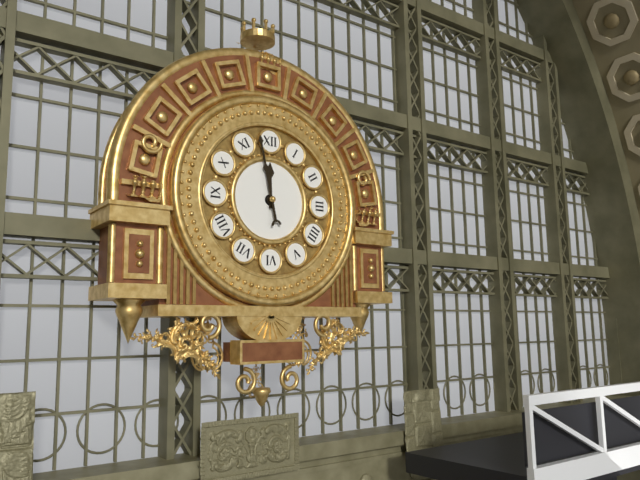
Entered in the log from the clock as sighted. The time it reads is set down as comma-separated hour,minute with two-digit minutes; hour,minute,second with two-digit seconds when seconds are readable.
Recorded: 11,58
